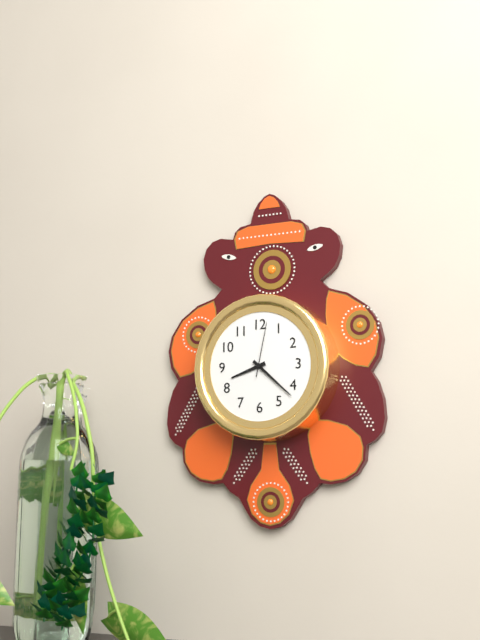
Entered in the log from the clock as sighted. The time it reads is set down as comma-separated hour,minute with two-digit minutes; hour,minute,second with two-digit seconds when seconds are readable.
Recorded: 8,22,02
